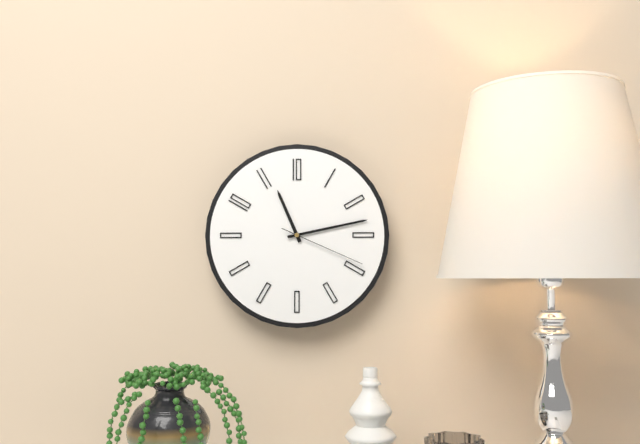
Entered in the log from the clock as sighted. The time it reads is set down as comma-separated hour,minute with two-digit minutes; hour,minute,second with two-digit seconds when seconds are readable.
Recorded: 11,13,19
